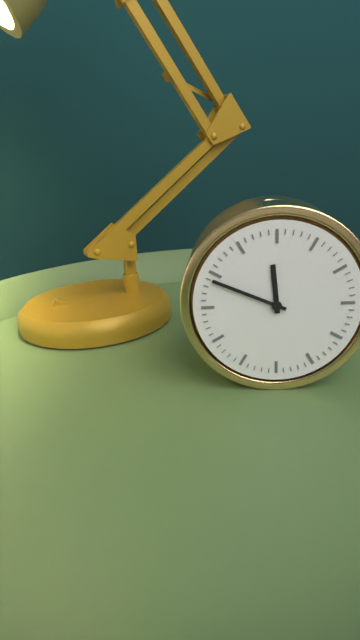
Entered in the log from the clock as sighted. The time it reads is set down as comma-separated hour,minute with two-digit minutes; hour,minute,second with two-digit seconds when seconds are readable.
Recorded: 11,49
